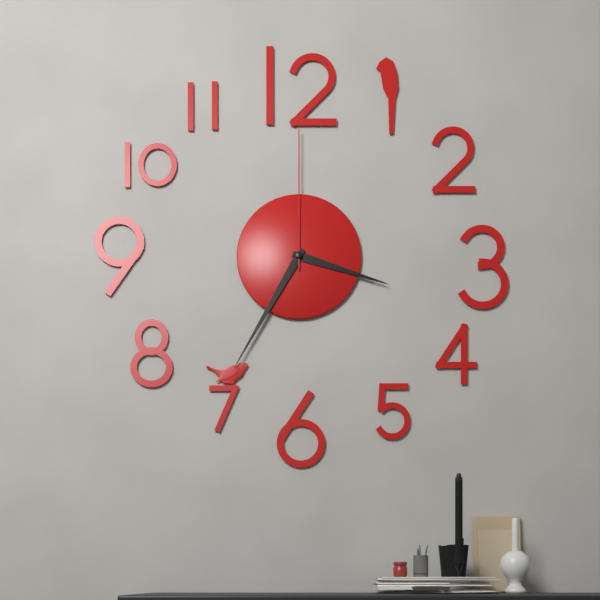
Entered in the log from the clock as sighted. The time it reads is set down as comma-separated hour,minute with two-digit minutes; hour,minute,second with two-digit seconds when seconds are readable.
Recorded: 3,35,00
